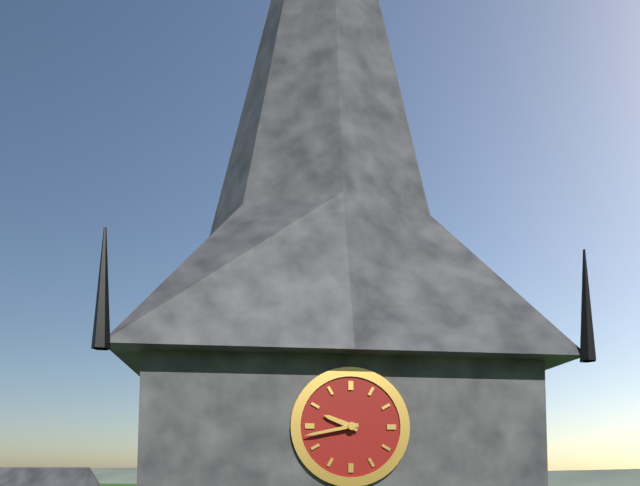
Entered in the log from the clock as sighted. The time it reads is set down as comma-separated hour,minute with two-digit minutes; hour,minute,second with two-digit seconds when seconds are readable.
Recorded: 9,43
